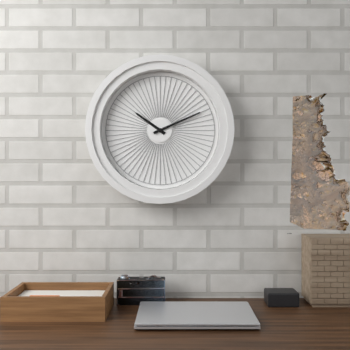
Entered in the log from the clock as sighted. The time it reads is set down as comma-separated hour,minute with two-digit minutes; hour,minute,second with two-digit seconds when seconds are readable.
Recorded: 10,11
